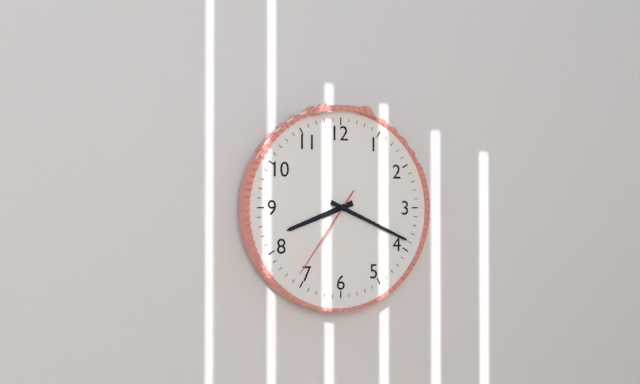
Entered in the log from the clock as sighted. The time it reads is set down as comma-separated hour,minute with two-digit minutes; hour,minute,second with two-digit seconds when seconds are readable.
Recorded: 8,19,36
